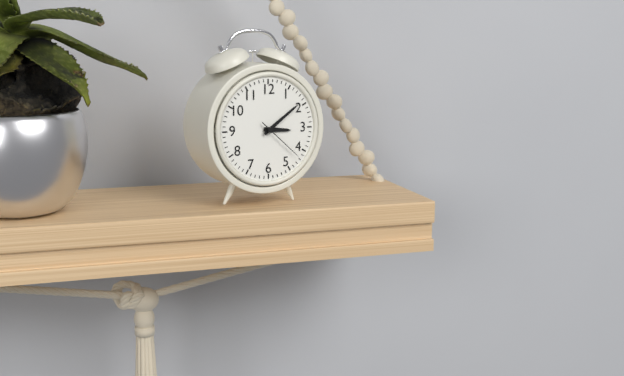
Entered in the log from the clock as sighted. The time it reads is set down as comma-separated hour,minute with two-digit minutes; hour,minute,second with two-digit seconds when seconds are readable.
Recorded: 3,09,22
